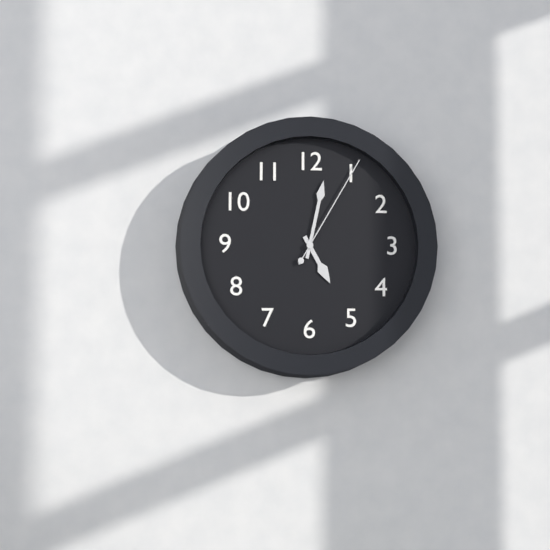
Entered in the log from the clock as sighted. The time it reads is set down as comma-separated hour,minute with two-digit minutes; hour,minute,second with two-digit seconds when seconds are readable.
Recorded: 5,02,05
